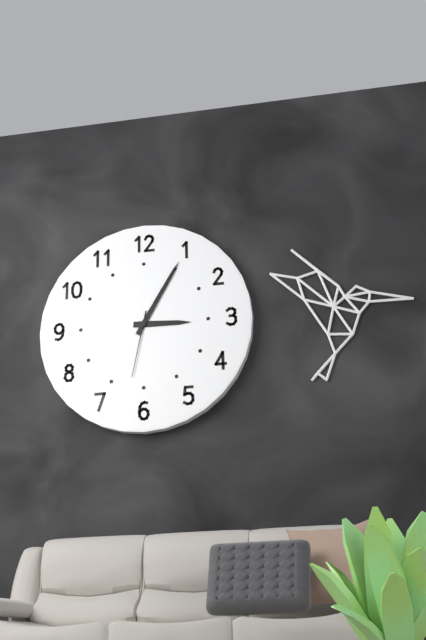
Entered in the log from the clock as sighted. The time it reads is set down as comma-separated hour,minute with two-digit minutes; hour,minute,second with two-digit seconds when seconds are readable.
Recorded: 3,05,32
